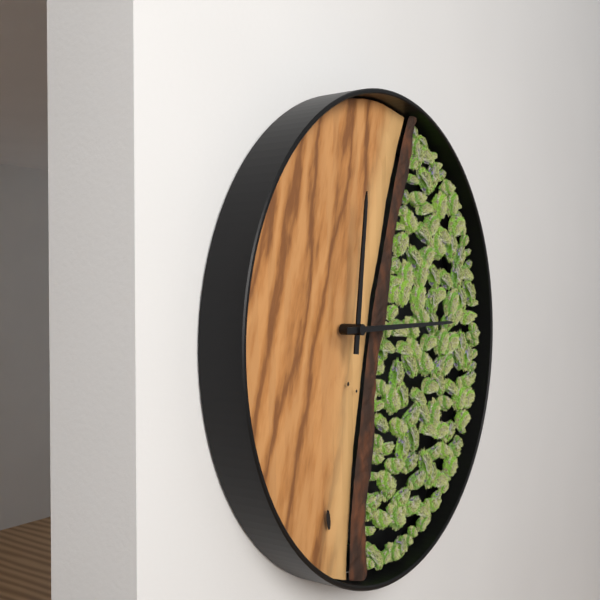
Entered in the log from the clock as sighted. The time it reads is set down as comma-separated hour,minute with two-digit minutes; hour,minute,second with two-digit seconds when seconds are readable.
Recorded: 12,15
